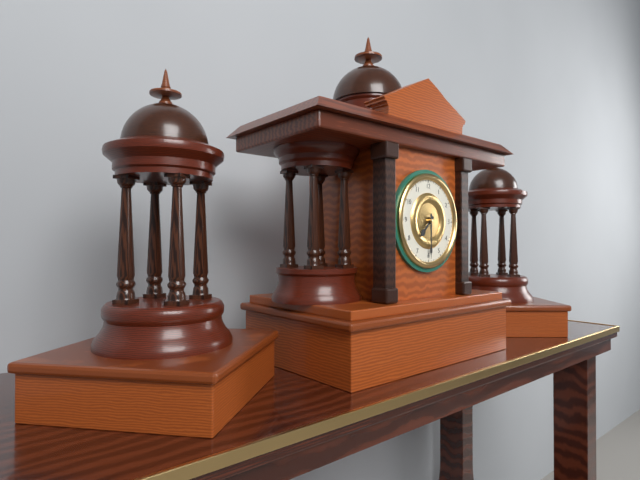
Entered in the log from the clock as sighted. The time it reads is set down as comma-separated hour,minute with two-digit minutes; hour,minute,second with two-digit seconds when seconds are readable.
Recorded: 7,30
